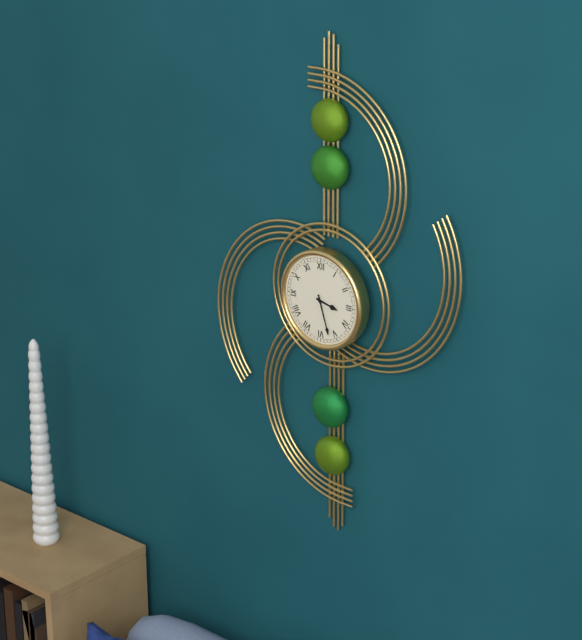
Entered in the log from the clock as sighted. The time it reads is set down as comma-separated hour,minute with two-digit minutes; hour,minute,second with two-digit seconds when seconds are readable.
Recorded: 3,27
